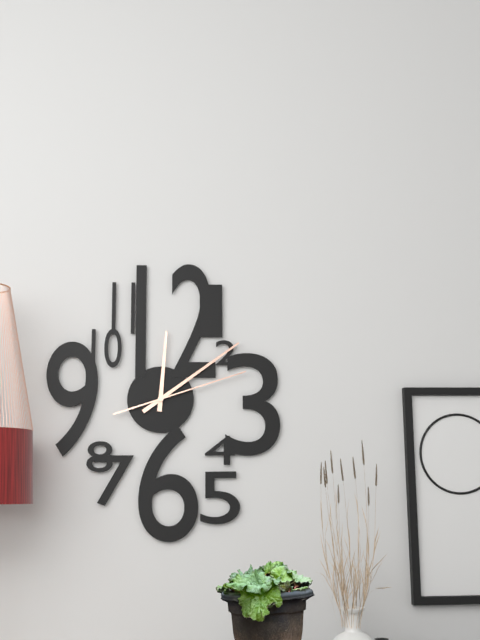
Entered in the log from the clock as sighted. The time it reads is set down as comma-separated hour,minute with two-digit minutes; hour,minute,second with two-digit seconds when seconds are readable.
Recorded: 12,09,12
